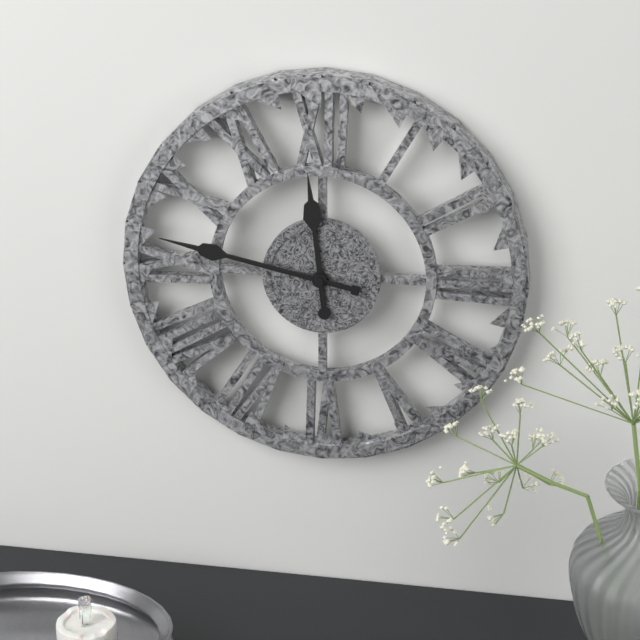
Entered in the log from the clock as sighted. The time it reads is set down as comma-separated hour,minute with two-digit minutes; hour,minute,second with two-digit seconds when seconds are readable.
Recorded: 11,47
